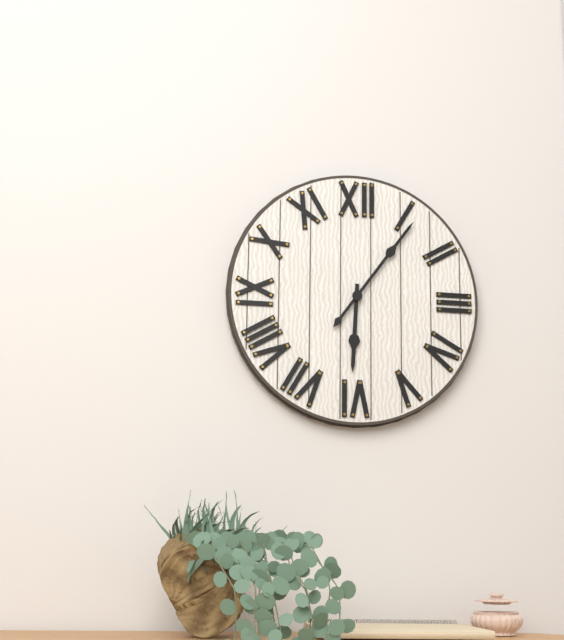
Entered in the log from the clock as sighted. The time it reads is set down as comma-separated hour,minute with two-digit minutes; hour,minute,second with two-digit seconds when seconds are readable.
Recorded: 6,06
